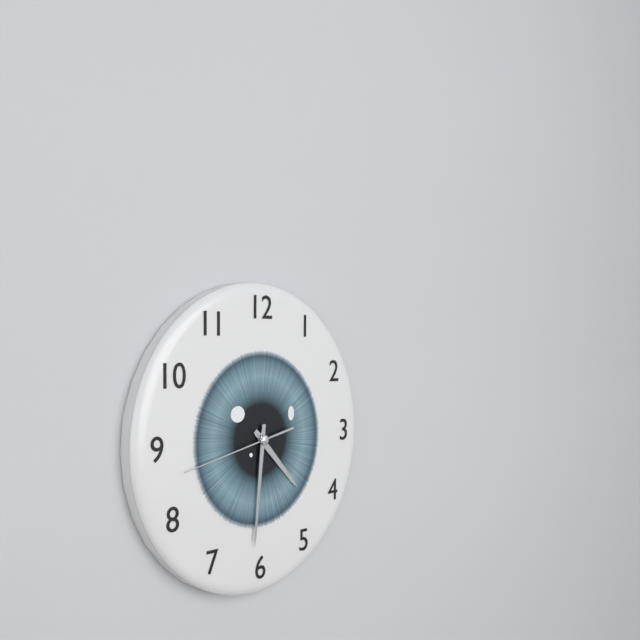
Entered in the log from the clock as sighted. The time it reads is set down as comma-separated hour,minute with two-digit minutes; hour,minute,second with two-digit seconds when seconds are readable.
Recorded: 4,31,43
